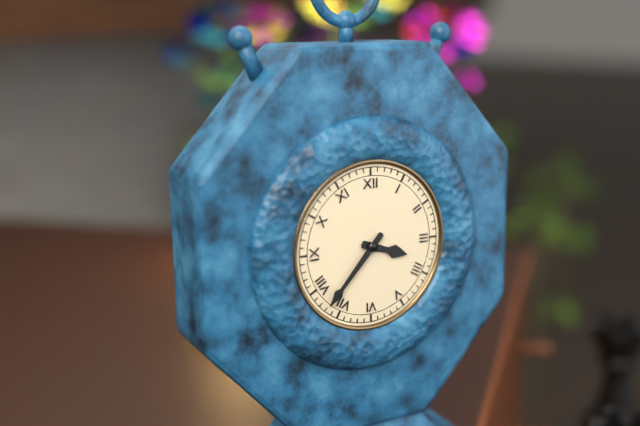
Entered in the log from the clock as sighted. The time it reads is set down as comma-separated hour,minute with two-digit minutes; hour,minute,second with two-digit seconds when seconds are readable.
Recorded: 3,37
